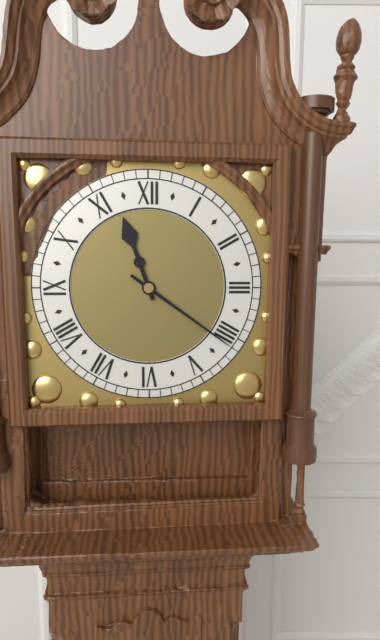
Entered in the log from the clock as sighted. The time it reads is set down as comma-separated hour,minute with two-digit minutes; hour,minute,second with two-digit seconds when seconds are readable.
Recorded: 11,21
